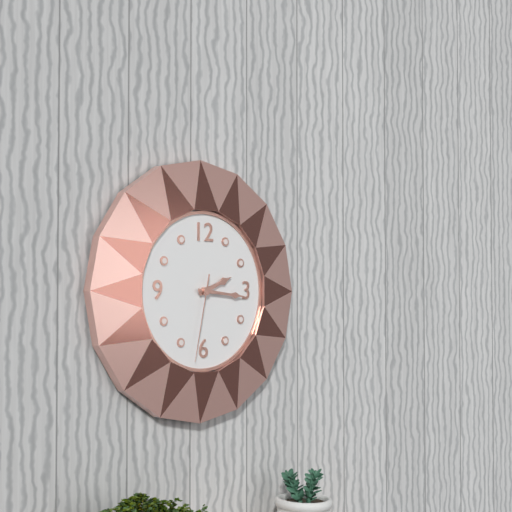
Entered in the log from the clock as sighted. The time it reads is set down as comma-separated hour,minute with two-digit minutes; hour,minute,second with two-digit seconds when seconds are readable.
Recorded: 2,16,32
